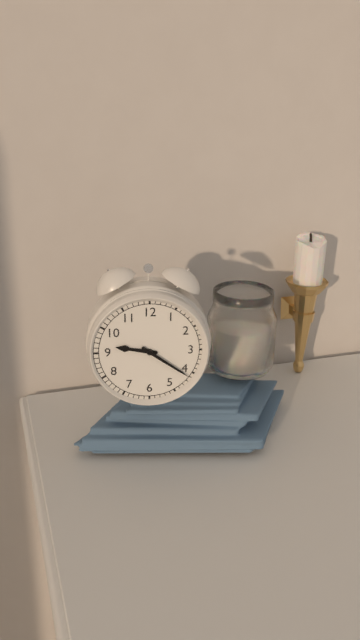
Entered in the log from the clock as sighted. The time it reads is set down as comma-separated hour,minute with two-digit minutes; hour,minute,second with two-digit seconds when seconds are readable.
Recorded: 9,21
